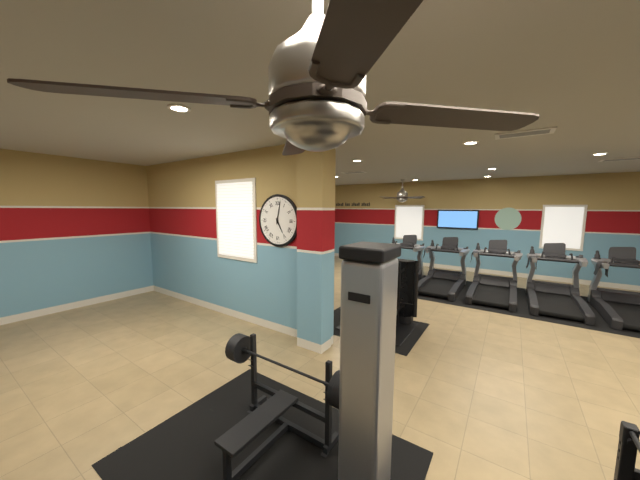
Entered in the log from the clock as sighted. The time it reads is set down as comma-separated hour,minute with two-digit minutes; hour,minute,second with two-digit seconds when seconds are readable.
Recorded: 5,02
